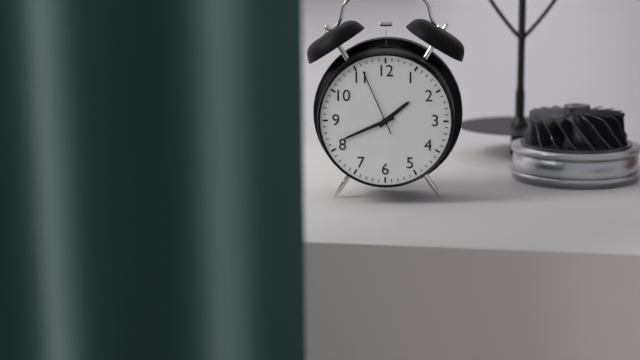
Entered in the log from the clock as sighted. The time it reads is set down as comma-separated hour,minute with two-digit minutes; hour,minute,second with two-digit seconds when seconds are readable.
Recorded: 1,41,56
